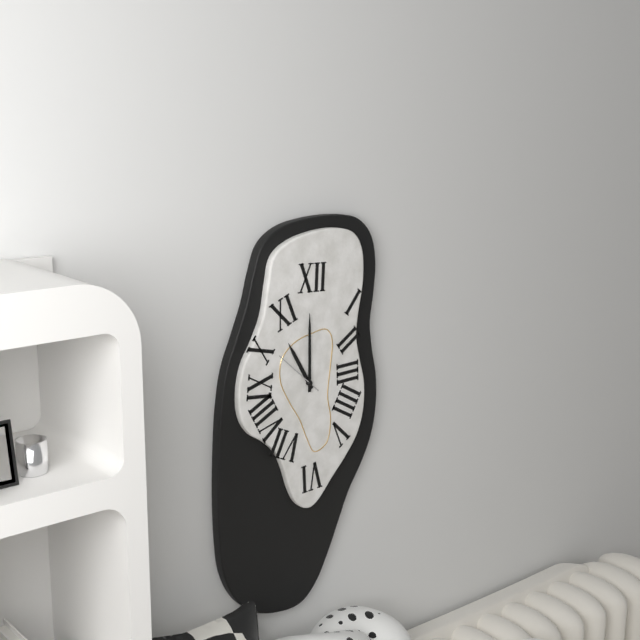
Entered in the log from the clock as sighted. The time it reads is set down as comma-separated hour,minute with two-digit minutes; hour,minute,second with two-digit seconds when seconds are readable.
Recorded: 11,00,52
